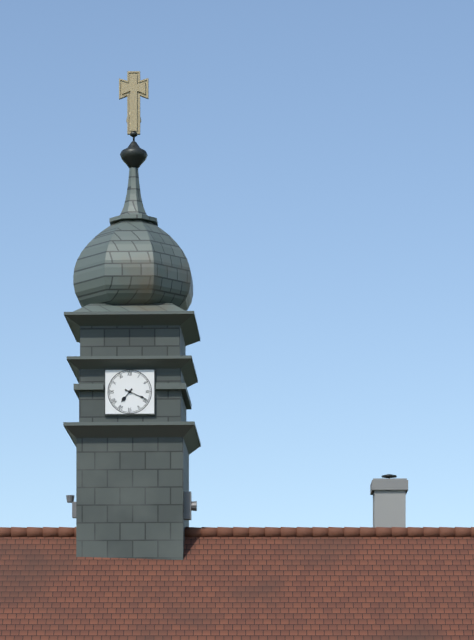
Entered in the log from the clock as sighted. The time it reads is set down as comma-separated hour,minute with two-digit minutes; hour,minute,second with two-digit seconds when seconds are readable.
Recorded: 7,19
